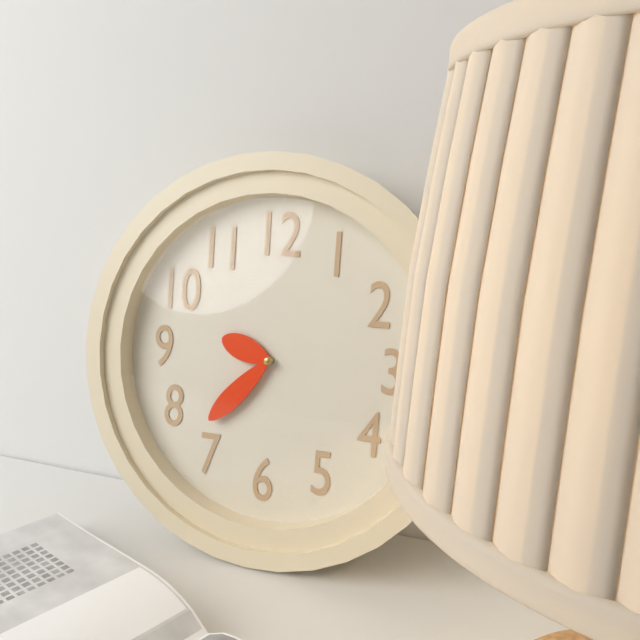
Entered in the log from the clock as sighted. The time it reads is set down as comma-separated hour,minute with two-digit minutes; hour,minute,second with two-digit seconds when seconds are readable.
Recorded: 9,37
